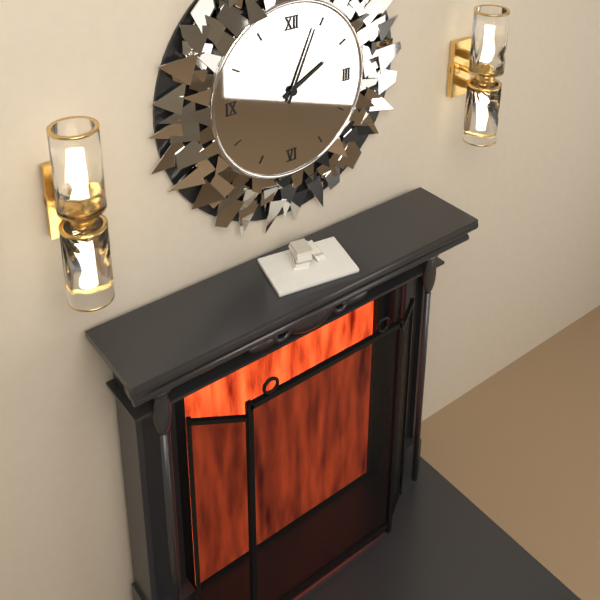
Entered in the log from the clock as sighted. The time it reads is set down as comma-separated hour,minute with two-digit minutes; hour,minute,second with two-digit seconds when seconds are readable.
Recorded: 2,04
